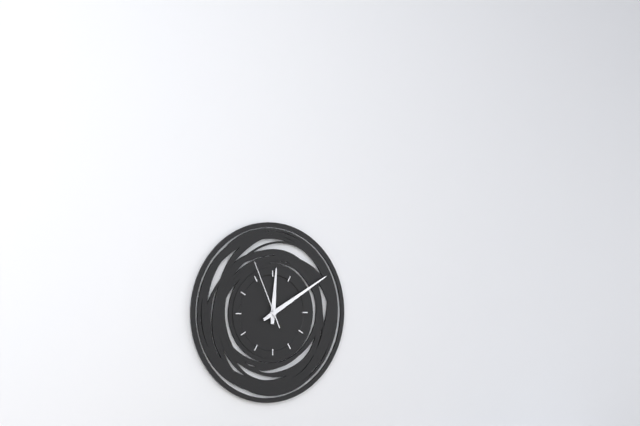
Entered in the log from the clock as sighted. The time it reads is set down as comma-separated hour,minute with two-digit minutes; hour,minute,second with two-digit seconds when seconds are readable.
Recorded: 12,10,56
